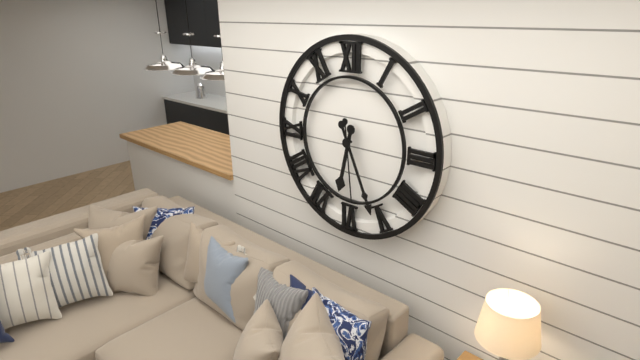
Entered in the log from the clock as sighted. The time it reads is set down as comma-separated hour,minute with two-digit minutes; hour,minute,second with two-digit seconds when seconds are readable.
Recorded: 6,26,29
